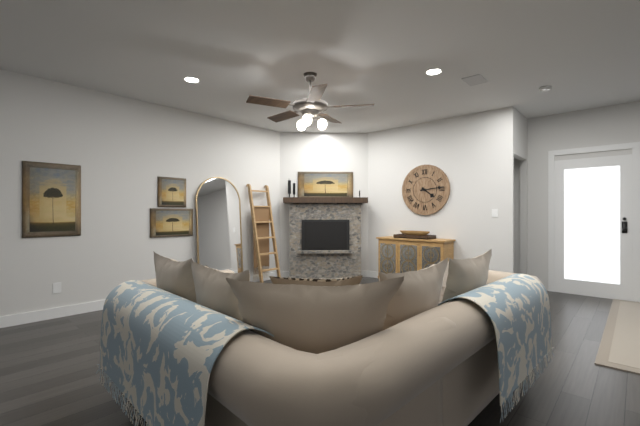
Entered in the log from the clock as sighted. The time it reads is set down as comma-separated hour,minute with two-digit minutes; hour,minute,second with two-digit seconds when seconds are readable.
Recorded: 4,14
